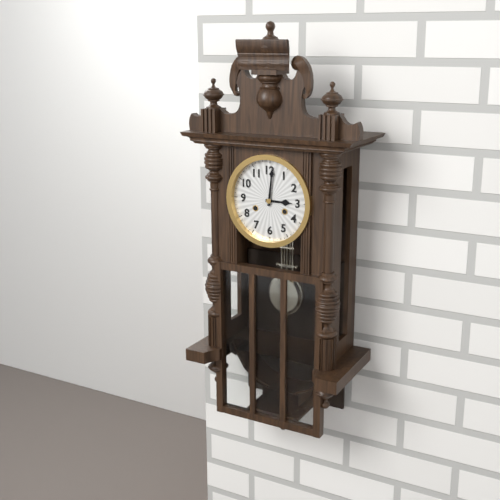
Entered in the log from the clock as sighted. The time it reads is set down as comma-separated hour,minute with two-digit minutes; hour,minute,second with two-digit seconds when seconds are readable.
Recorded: 3,01
